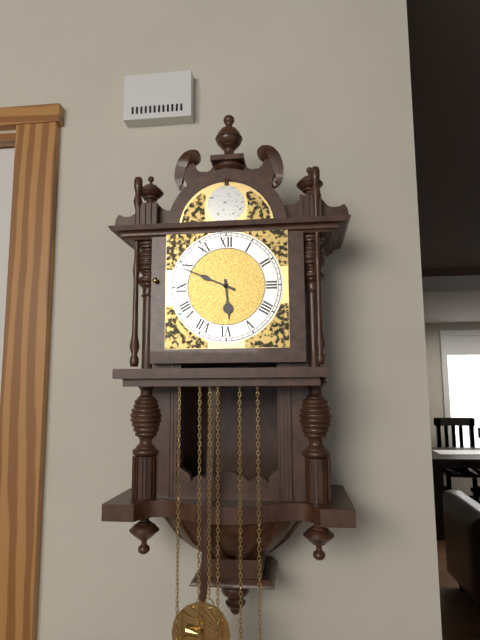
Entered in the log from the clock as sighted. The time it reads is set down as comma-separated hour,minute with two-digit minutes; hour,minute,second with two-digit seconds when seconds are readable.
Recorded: 5,49
